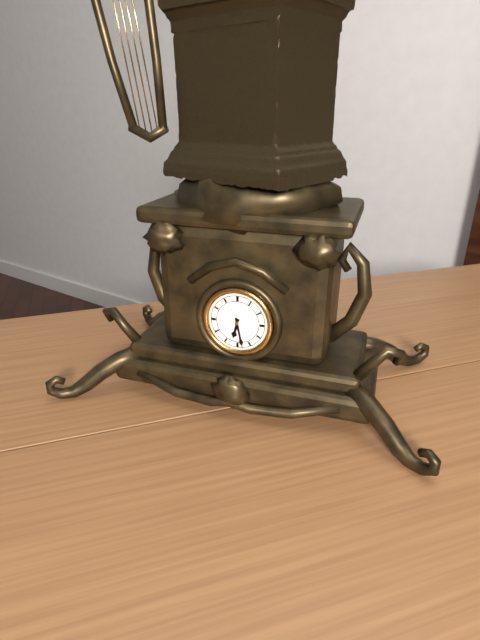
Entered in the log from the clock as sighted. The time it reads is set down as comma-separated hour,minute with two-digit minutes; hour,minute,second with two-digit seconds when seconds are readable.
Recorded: 6,28
